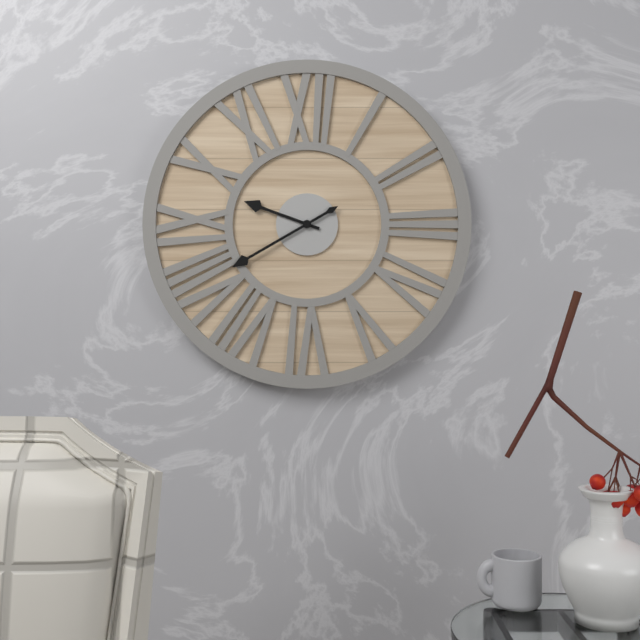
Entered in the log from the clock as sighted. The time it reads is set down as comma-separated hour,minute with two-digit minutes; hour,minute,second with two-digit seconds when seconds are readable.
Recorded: 9,40
